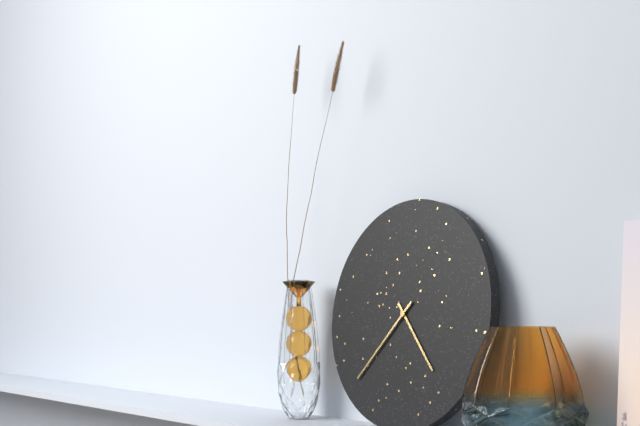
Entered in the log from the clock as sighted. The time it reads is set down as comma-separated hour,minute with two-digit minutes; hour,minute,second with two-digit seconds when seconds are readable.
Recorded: 4,37
